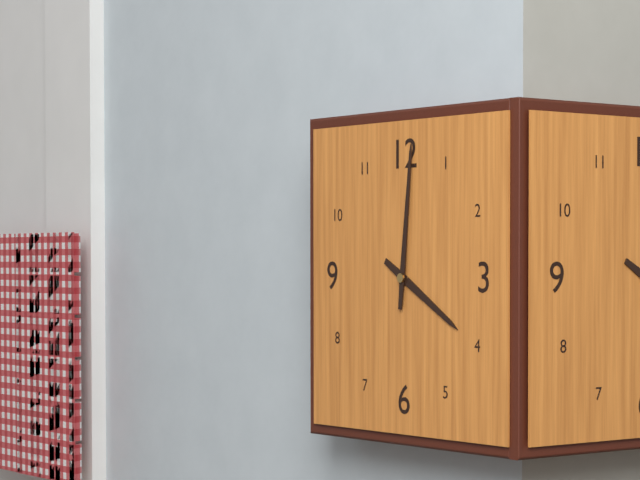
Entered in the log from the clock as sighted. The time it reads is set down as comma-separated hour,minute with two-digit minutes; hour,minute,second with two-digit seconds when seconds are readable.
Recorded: 4,01
